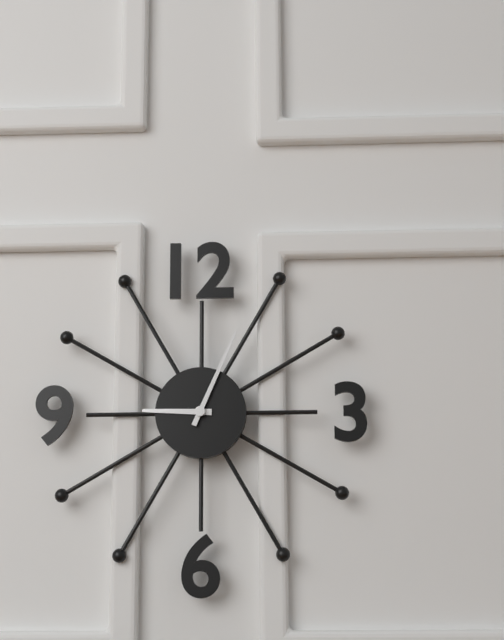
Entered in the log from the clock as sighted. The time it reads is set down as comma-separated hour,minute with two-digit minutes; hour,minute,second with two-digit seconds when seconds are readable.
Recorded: 9,04
